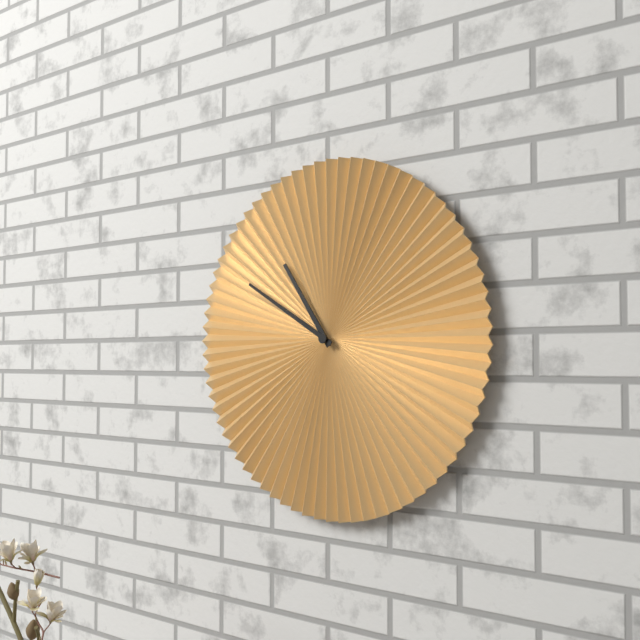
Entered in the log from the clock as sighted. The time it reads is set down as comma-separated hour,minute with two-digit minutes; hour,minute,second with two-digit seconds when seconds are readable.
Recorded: 10,50
